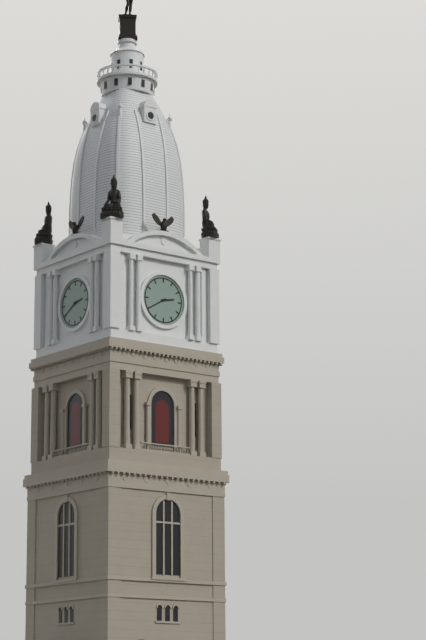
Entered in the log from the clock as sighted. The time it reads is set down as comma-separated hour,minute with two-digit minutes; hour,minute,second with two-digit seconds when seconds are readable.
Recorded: 2,40
